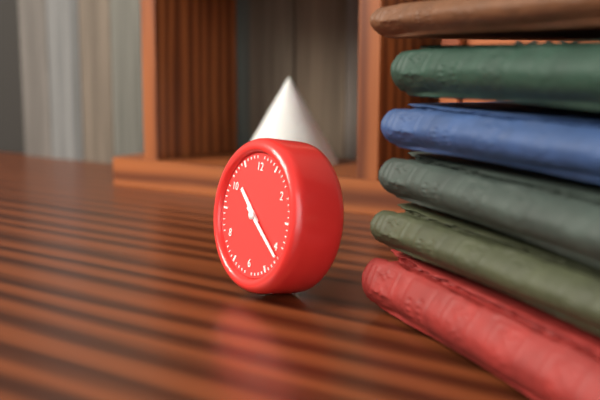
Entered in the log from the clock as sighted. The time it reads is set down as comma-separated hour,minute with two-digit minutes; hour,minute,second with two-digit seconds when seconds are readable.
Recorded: 10,21
